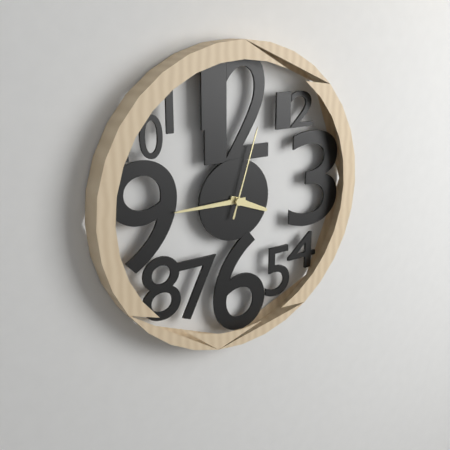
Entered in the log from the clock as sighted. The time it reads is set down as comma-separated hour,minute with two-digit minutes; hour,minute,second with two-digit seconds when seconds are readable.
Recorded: 3,45,03
